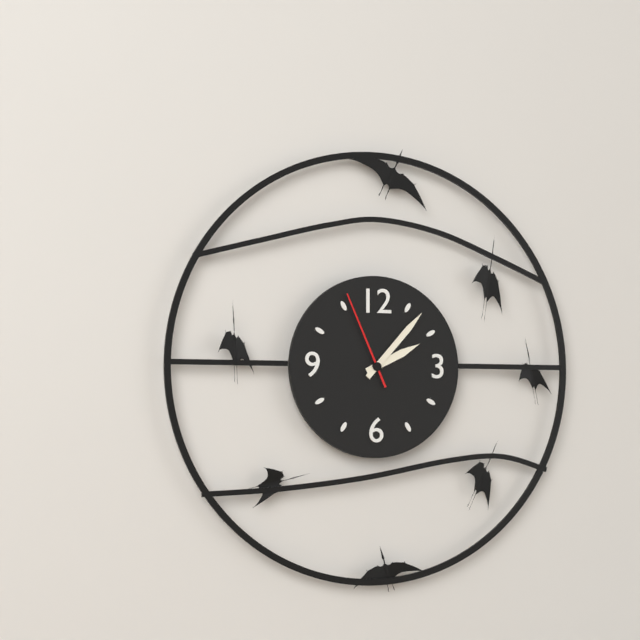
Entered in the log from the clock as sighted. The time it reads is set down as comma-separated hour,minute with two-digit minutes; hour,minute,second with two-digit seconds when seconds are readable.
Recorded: 2,07,56
